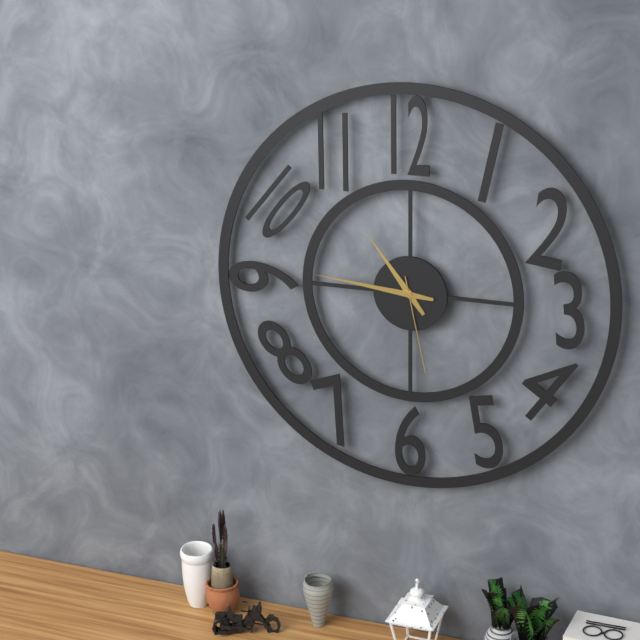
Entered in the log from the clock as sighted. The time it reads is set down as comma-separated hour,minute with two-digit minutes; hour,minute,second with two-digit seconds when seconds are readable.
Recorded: 10,46,28
